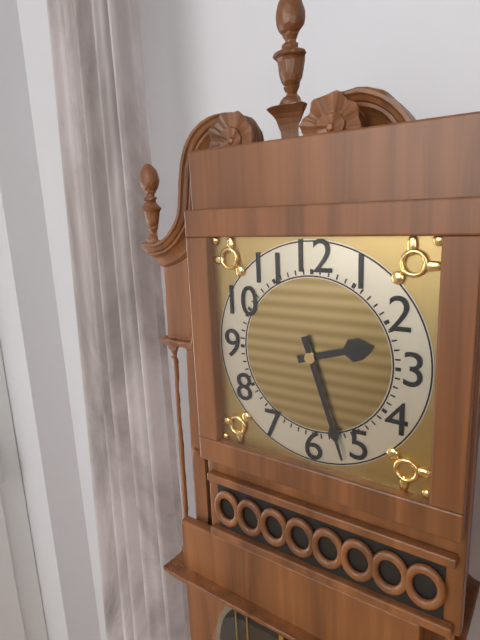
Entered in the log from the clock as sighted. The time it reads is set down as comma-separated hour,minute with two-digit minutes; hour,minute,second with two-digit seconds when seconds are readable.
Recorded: 2,27
